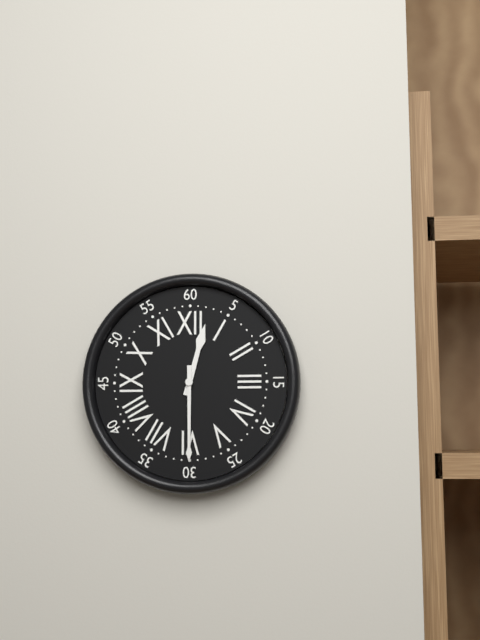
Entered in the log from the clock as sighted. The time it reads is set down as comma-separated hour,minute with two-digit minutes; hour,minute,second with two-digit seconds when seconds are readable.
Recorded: 12,30
